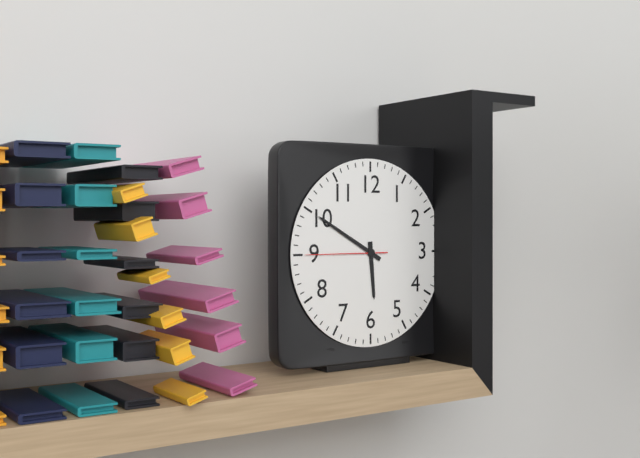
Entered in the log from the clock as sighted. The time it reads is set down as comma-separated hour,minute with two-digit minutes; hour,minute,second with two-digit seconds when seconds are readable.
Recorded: 5,50,45
